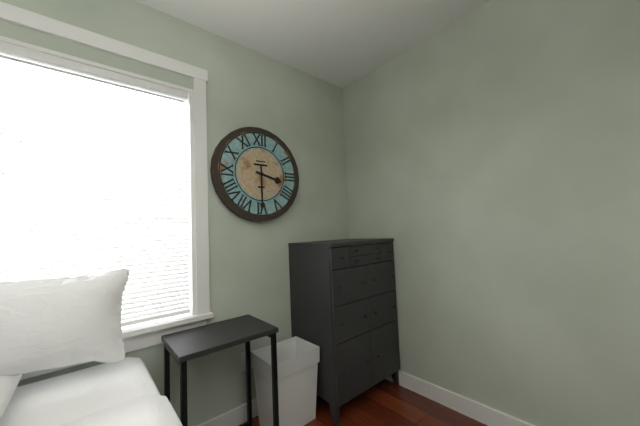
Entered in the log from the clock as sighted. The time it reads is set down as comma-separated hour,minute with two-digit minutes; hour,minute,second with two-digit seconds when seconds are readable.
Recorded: 3,30
